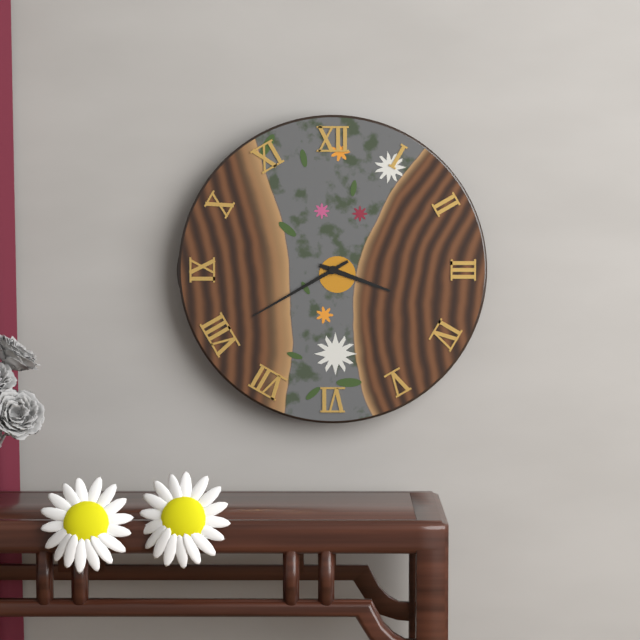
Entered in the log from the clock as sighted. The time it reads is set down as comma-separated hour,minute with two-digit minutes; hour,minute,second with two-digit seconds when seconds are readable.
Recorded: 3,40
